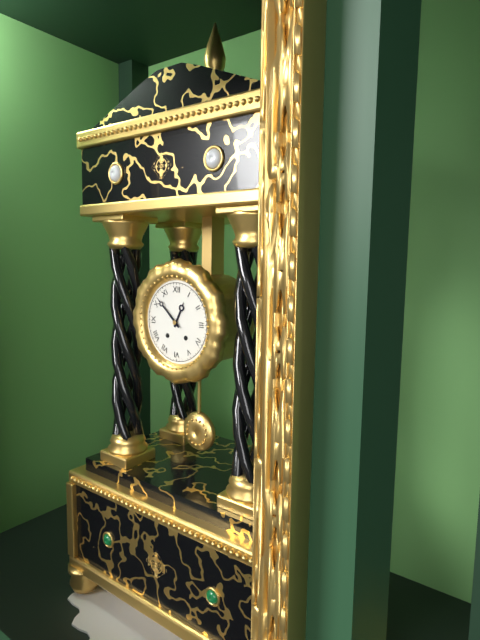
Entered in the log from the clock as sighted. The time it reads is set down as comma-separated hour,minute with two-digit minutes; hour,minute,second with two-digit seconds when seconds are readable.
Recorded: 12,52
